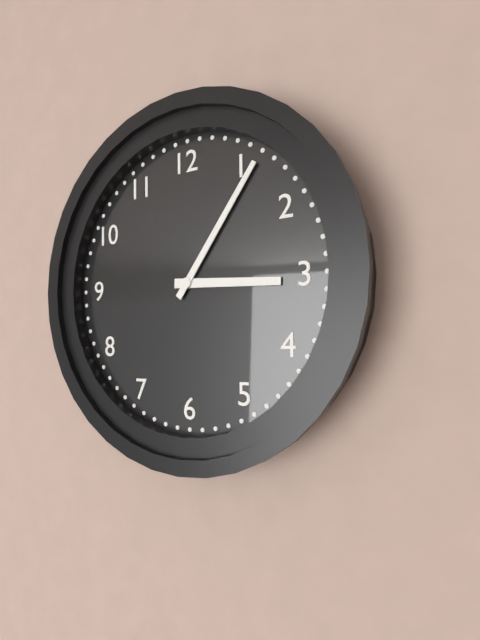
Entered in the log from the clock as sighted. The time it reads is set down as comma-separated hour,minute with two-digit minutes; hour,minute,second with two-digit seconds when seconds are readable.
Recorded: 3,06
